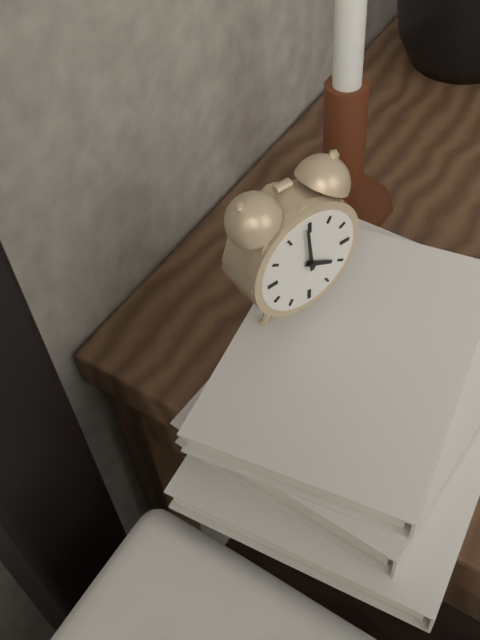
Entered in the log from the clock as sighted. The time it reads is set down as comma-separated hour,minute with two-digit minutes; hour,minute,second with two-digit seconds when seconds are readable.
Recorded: 3,59
